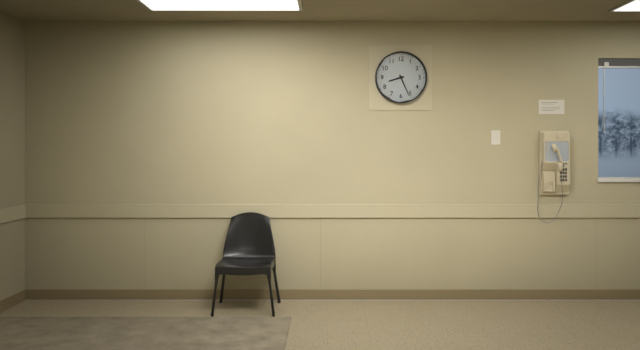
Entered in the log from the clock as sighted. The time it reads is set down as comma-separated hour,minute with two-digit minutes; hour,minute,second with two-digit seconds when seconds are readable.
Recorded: 8,26
